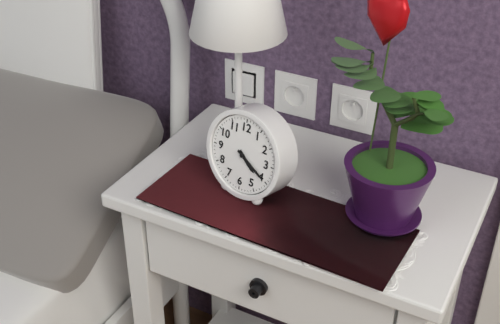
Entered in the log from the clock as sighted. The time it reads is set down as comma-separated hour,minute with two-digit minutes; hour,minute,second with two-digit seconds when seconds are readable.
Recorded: 4,20
